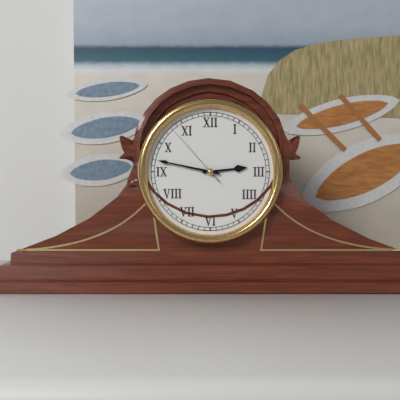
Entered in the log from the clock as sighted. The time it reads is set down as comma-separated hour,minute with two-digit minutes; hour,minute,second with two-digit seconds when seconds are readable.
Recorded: 2,47,53
